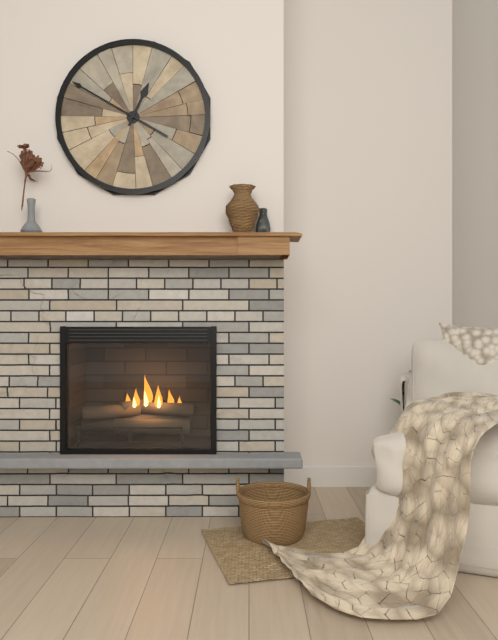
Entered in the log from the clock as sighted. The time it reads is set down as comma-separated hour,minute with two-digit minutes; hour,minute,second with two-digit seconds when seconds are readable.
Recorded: 12,50
